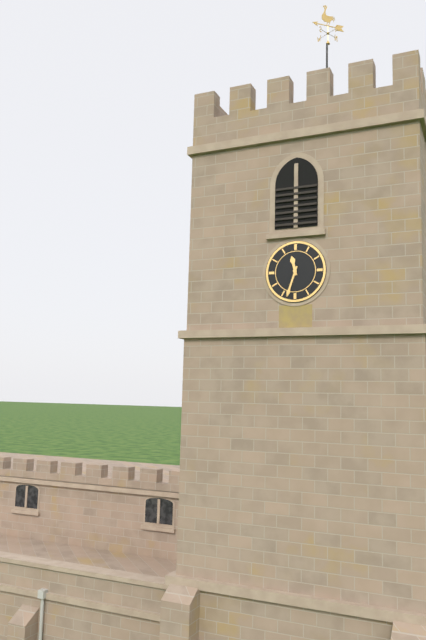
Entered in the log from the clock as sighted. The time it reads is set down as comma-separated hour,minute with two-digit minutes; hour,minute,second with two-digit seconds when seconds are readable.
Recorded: 11,33
